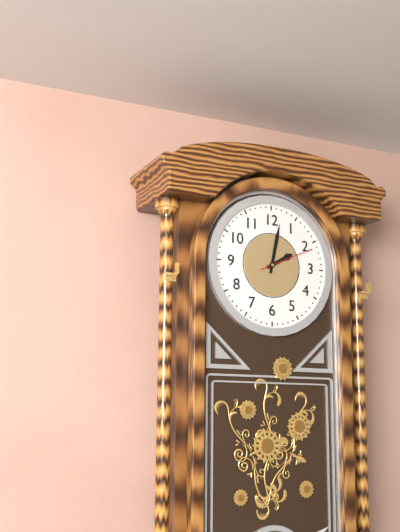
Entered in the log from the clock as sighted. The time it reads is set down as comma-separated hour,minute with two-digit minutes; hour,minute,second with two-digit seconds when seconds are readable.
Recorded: 2,02,11
